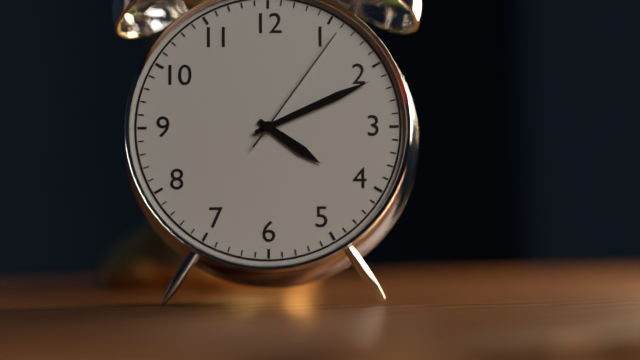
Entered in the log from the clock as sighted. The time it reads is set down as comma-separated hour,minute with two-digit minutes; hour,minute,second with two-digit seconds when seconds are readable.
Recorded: 4,11,06
